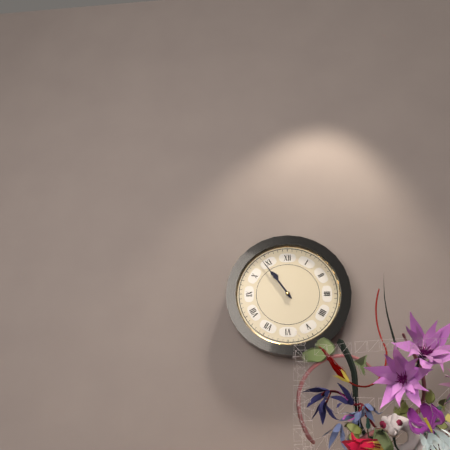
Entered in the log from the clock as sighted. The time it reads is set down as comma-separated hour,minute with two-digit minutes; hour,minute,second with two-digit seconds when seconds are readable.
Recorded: 10,54
